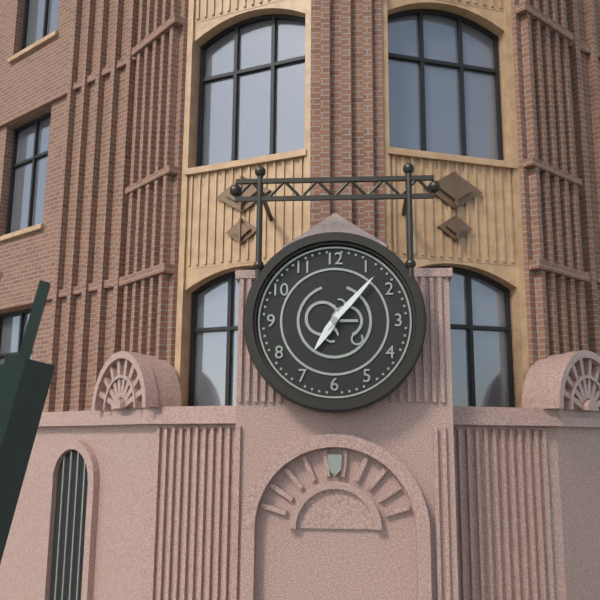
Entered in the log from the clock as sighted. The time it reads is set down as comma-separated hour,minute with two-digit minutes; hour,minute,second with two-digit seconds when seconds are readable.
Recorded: 7,07
